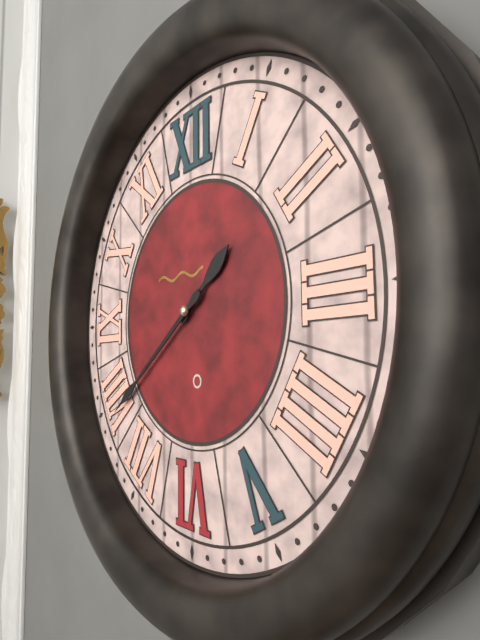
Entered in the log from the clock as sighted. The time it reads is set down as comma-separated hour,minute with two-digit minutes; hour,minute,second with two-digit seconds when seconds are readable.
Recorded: 1,39
